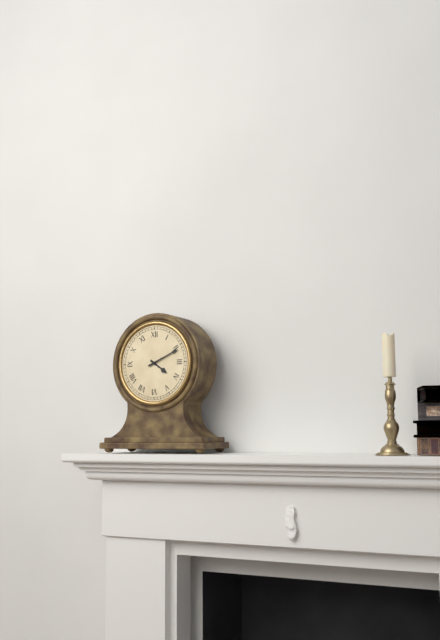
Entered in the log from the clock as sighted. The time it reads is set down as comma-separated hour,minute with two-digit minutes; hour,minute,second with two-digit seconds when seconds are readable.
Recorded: 4,11
